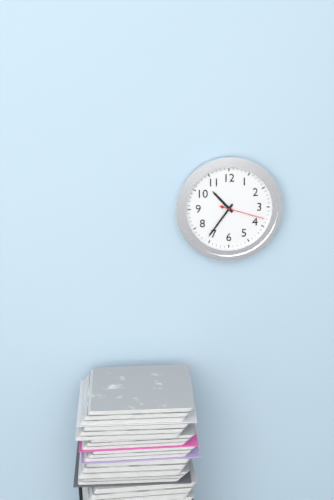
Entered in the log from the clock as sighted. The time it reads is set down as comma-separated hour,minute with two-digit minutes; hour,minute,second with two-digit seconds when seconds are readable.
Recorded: 10,36
